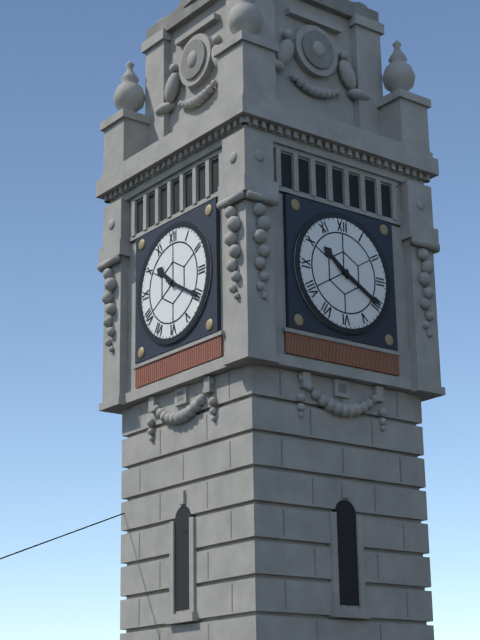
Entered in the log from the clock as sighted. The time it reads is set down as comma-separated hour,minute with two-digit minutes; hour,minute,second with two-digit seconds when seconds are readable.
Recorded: 10,20
